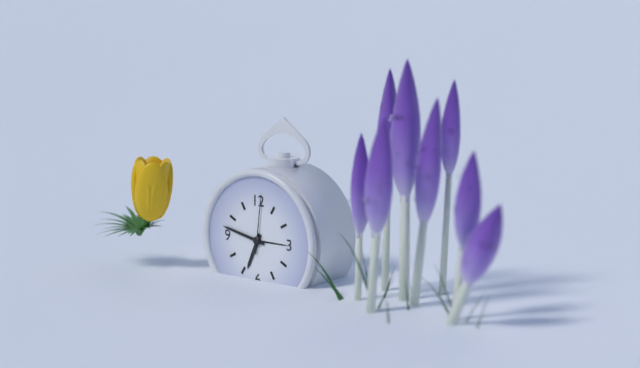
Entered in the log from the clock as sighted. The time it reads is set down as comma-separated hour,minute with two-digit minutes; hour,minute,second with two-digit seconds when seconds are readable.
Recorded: 6,47,01
